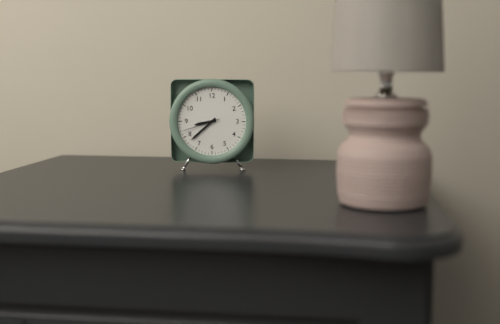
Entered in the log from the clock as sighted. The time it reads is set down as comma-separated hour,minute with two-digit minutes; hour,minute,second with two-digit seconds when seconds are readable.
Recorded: 8,38
